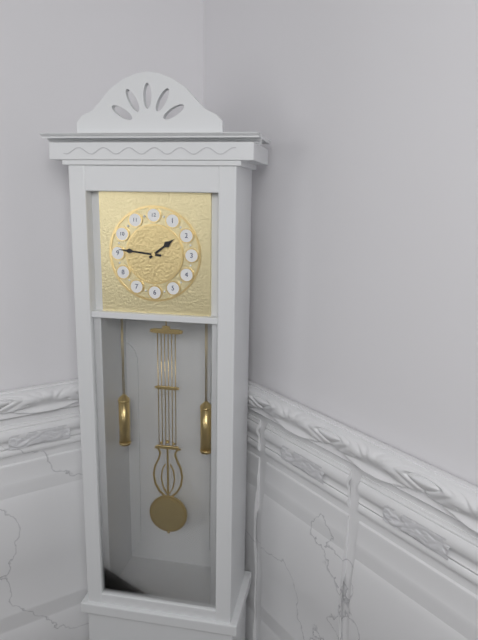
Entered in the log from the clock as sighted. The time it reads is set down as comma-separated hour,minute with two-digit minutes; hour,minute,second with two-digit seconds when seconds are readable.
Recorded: 1,46
